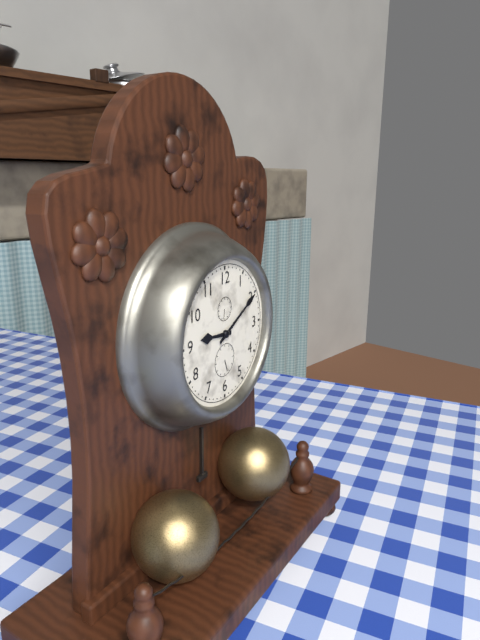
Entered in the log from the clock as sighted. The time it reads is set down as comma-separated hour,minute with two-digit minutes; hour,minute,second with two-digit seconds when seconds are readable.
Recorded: 9,10
